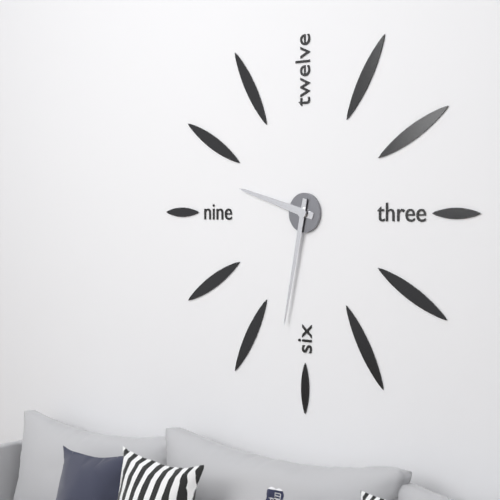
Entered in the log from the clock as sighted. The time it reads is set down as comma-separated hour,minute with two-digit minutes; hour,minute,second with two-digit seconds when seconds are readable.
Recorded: 9,32
